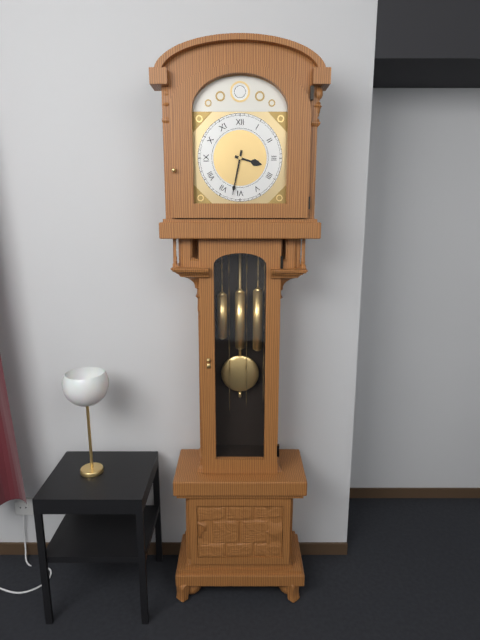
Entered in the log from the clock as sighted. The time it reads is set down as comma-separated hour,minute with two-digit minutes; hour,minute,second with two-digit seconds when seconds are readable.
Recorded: 3,32
